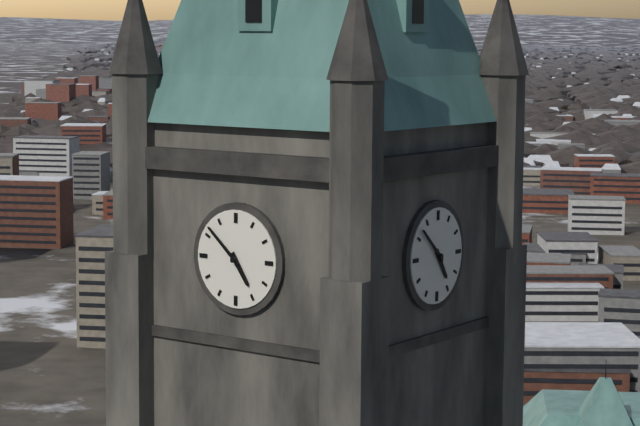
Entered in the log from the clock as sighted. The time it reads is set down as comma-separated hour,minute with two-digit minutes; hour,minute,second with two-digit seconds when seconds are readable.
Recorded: 4,52
